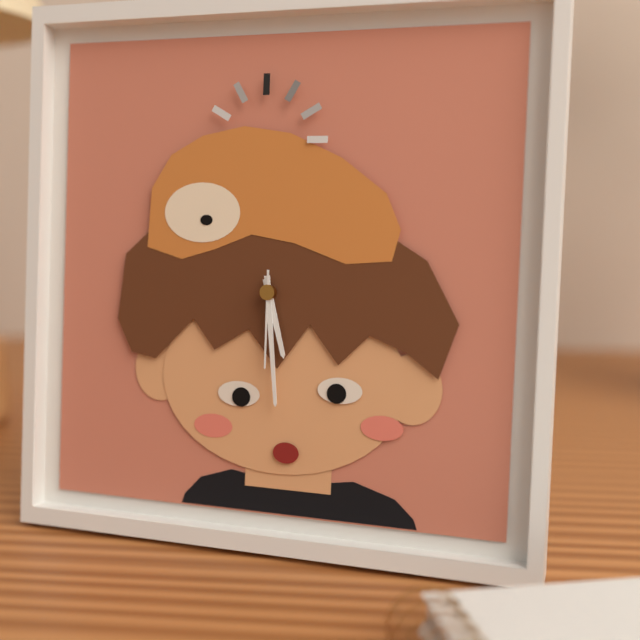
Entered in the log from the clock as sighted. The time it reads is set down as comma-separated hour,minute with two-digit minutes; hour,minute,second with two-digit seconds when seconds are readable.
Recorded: 5,29,30
